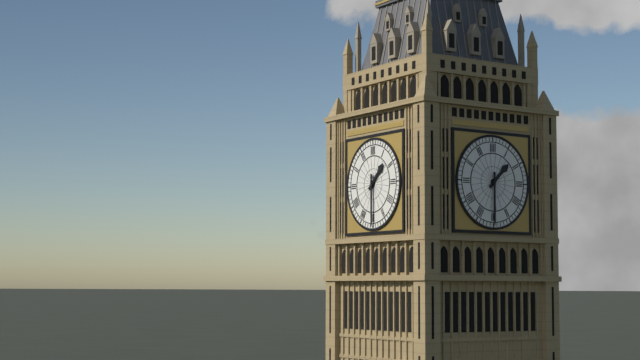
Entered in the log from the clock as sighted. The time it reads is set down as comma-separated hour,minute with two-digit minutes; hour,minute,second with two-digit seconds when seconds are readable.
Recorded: 1,30
